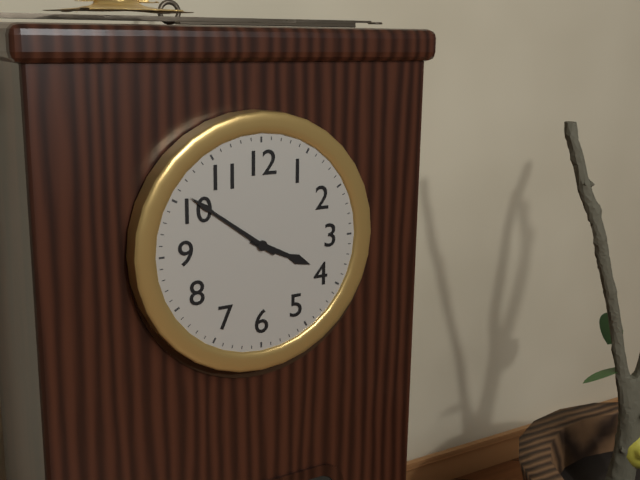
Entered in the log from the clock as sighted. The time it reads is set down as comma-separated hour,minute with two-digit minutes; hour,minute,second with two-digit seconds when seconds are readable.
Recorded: 3,51
